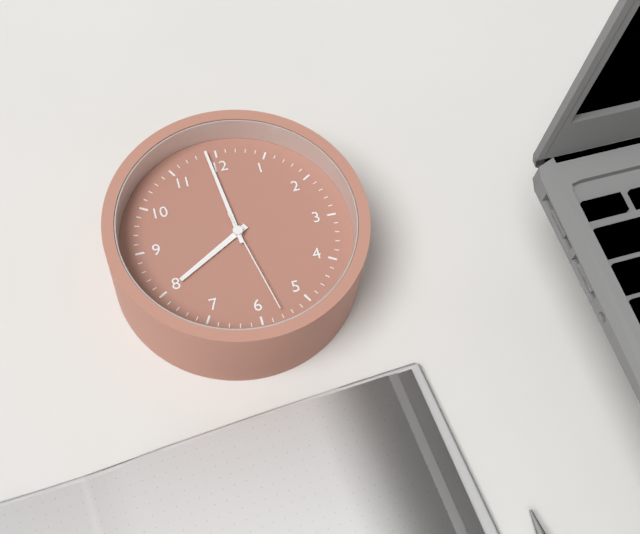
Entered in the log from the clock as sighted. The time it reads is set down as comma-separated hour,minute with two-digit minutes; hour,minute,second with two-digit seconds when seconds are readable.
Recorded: 7,59,28
